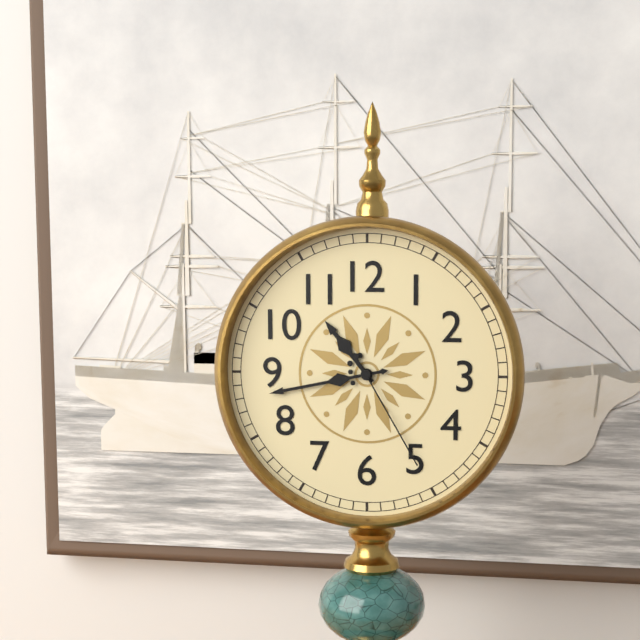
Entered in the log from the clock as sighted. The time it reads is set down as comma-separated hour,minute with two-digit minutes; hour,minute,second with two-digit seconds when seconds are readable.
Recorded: 10,43,25
